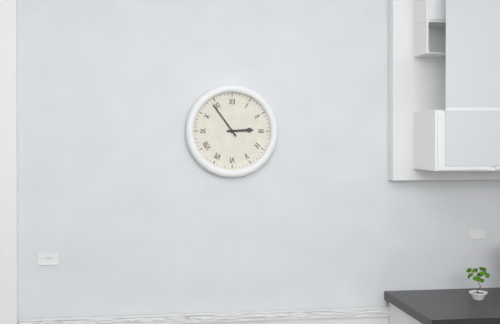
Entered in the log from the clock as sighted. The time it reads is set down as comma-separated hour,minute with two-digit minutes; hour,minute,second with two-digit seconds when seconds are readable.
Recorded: 2,54
